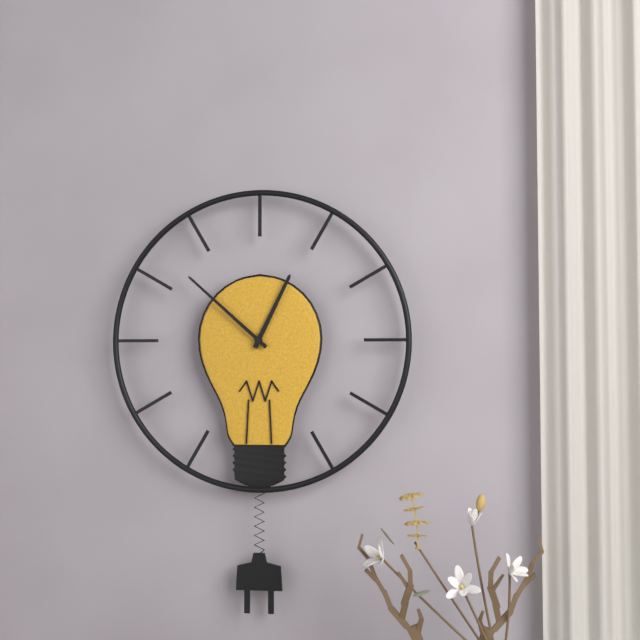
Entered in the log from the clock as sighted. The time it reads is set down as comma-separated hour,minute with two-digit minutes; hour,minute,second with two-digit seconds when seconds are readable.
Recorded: 12,52
